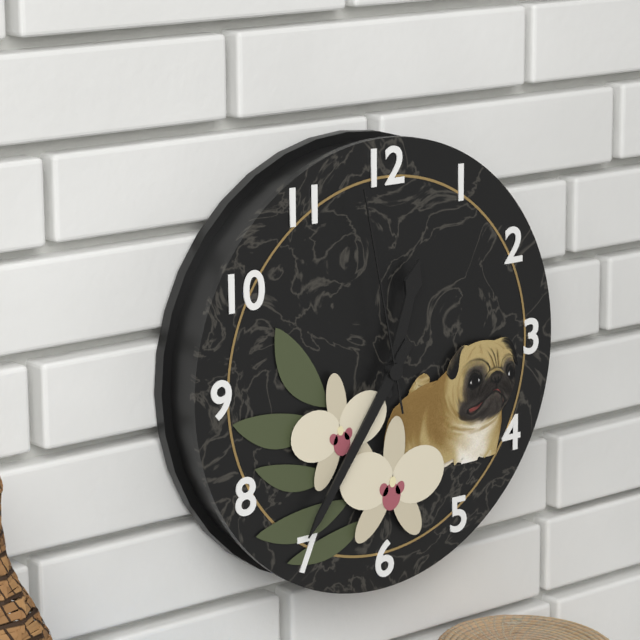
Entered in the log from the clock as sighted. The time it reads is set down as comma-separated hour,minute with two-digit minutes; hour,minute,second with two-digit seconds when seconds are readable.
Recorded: 12,36,58
